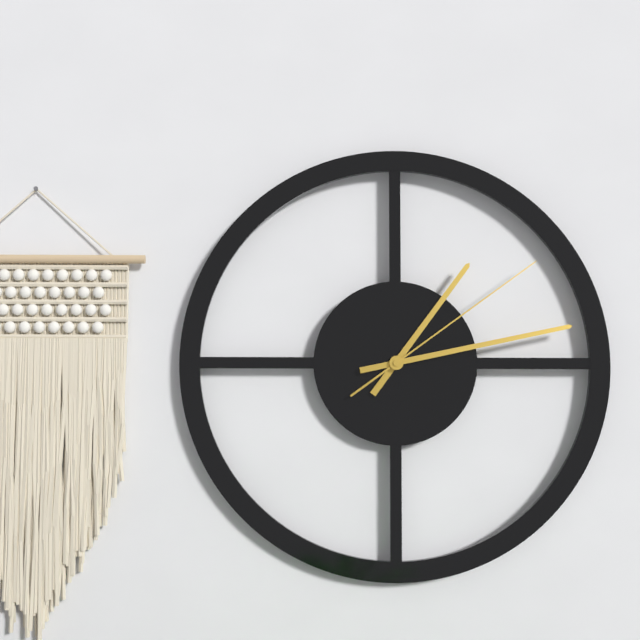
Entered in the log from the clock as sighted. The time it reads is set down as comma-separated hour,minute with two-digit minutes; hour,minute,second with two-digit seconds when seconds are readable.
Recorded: 1,13,09
